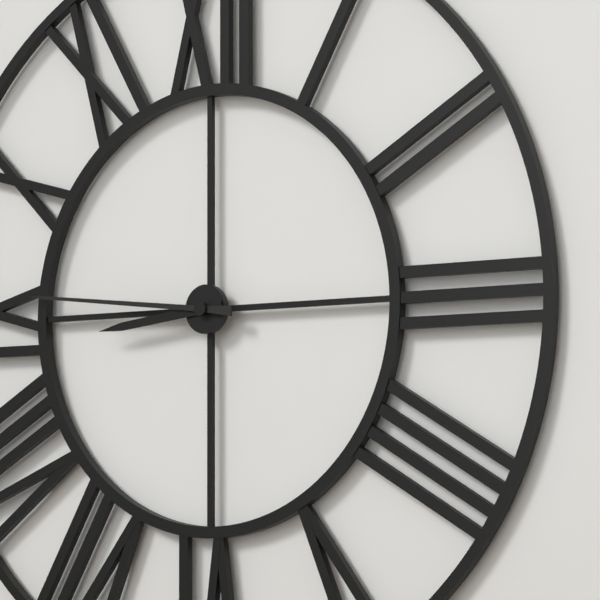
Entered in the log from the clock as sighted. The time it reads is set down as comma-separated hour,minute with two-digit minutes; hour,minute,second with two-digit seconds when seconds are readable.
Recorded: 8,46
